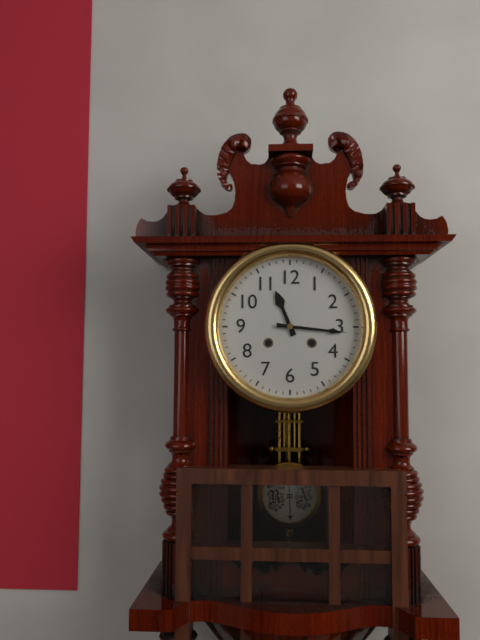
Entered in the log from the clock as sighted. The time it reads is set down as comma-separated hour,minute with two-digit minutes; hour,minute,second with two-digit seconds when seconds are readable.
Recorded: 11,16
